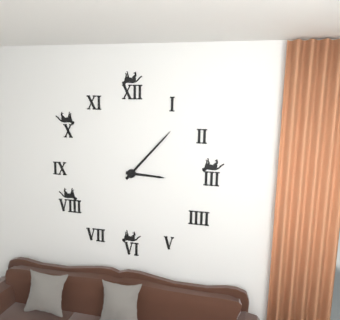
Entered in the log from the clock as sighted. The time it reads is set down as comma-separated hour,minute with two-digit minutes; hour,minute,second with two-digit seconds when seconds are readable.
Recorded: 3,07
